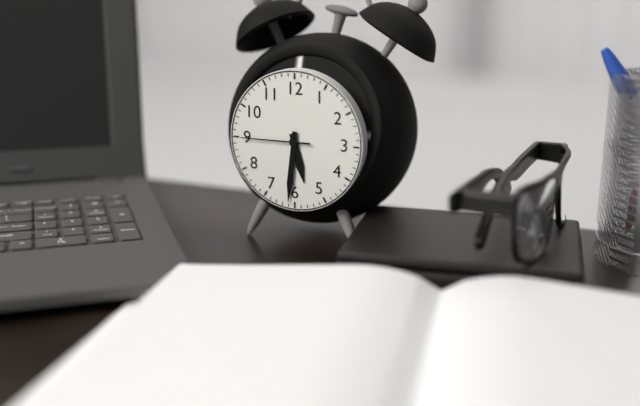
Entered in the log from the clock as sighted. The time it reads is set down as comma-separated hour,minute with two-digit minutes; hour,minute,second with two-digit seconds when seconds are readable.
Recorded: 5,31,45
